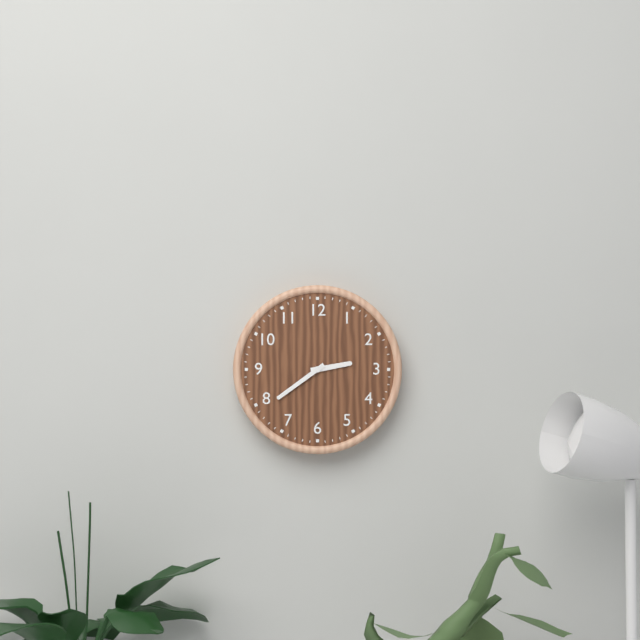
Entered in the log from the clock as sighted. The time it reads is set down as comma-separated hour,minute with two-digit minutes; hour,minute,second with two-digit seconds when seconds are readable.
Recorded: 2,39
